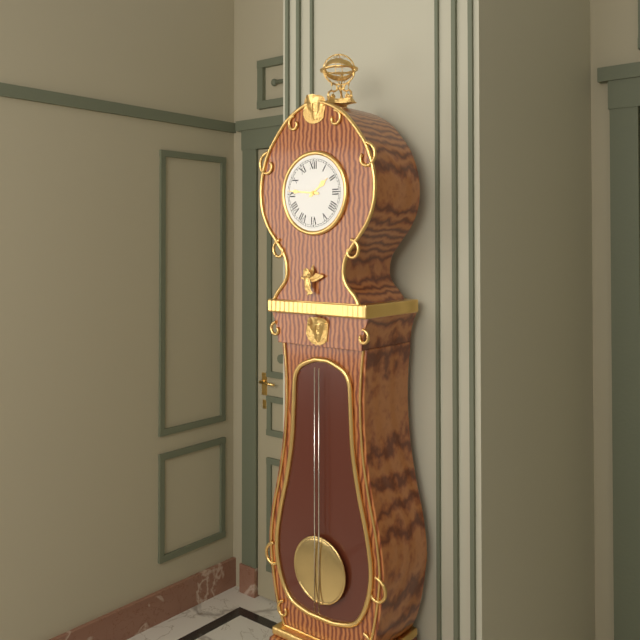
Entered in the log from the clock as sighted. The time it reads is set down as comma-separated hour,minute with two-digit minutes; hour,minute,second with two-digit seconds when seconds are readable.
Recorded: 1,46
